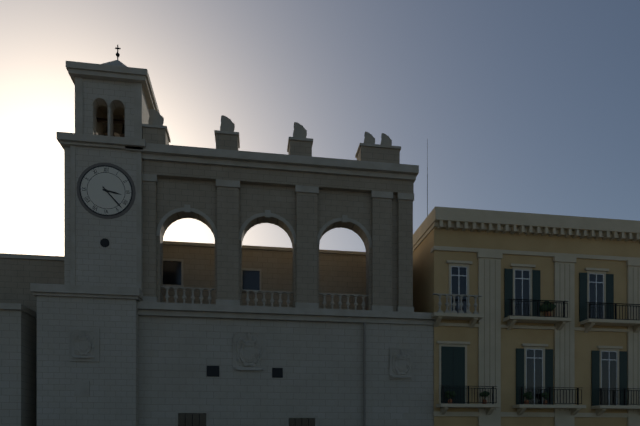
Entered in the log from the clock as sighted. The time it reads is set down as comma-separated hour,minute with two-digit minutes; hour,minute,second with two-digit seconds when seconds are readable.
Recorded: 3,23
